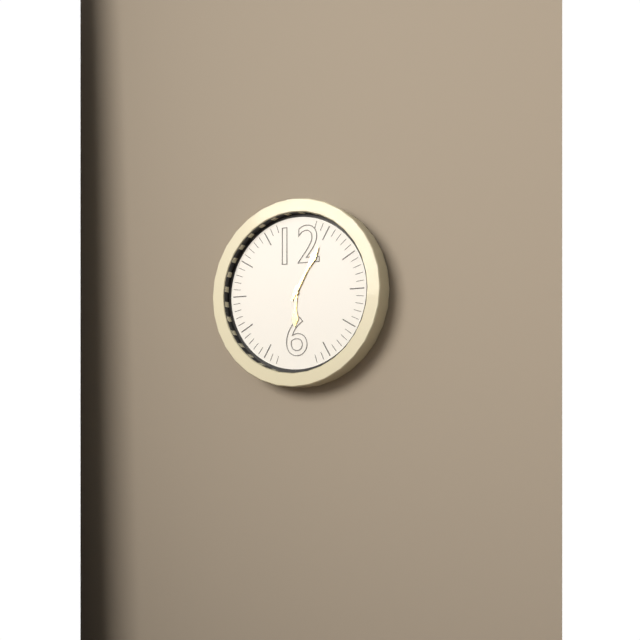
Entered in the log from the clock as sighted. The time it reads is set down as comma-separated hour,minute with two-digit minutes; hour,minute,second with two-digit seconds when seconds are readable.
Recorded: 6,05
